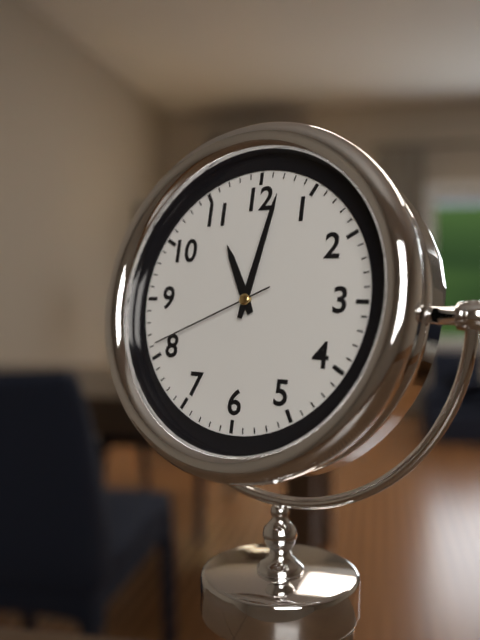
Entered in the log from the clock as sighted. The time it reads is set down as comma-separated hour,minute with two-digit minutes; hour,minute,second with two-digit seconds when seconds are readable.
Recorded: 11,02,41
